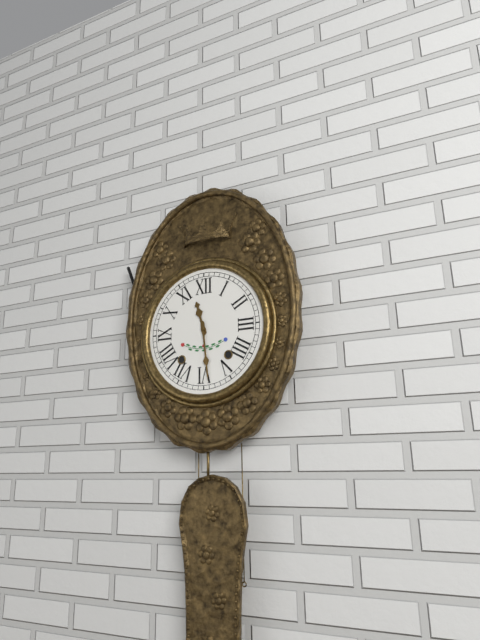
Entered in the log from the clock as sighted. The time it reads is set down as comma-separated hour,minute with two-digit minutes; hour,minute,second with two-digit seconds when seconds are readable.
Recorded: 11,29
